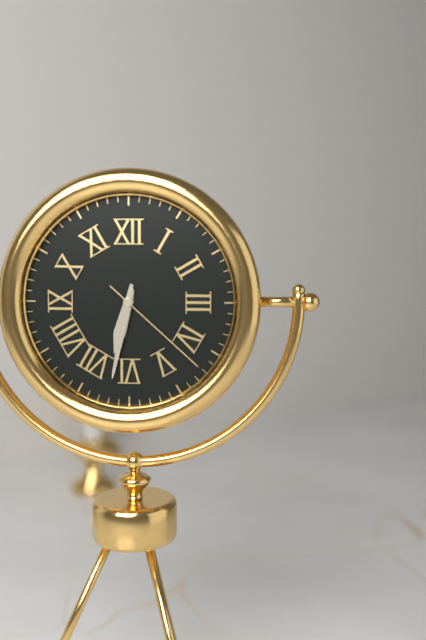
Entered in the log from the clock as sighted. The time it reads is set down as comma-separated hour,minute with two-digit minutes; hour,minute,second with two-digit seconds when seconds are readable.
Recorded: 6,32,22
